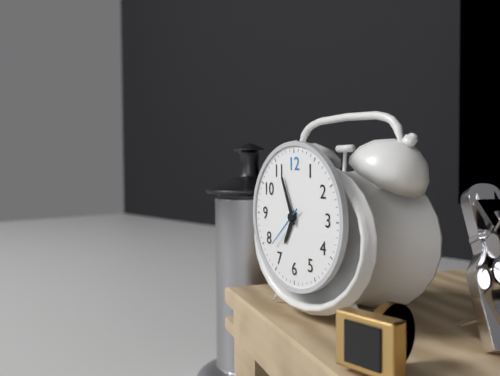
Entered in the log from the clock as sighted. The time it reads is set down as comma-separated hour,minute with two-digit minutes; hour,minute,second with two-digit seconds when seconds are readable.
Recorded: 6,56
